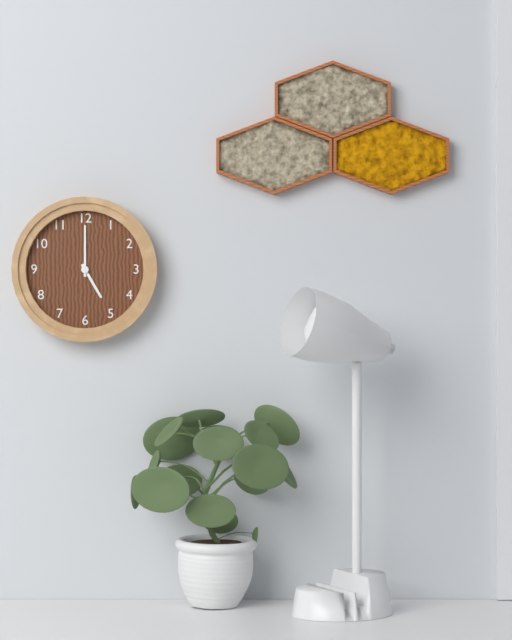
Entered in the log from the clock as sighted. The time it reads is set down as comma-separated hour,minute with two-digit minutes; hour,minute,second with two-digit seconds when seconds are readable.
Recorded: 5,00
